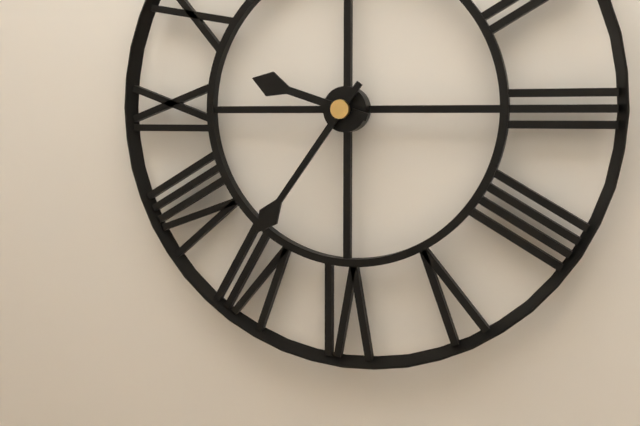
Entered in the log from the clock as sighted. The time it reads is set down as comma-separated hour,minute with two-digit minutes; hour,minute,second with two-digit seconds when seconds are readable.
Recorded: 9,36
